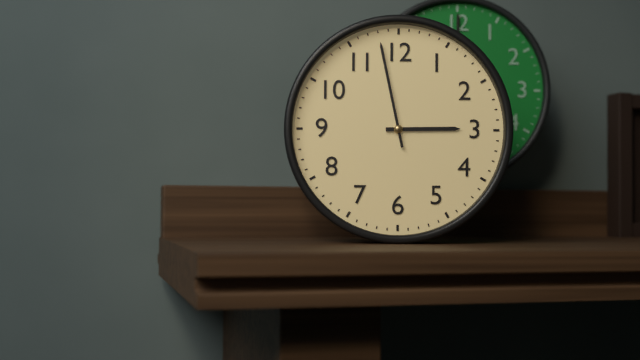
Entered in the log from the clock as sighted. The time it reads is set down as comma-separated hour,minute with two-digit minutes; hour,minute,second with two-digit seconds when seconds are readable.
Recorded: 2,58
